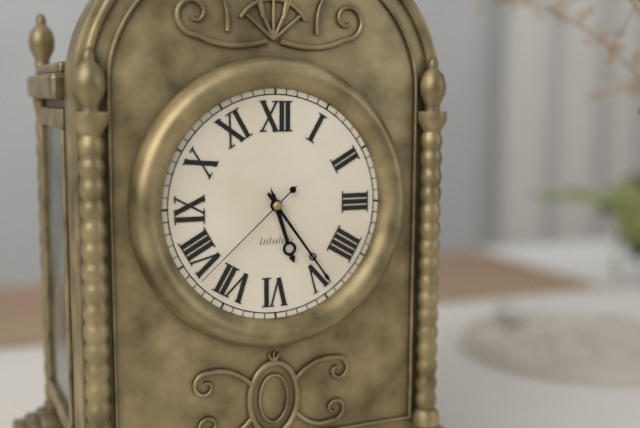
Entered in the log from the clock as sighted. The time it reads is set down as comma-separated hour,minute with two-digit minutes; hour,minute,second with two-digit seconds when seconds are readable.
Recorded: 5,24,38
